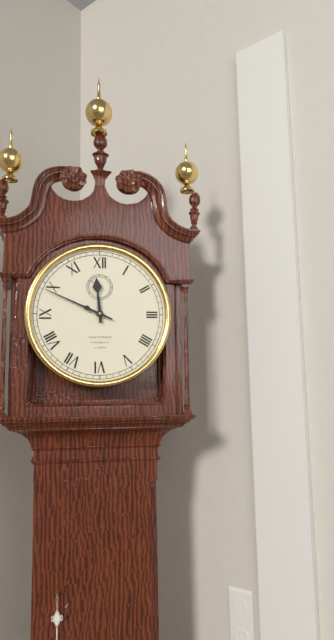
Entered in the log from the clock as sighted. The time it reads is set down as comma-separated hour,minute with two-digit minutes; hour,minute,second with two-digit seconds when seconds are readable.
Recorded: 11,49
